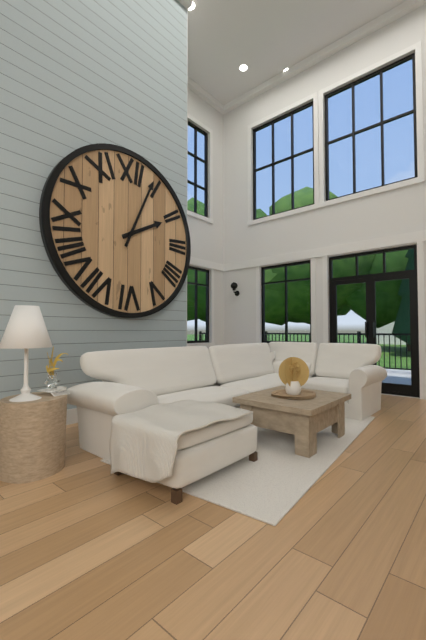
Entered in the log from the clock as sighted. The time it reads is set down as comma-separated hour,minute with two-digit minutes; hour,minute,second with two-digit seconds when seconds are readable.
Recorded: 2,04
